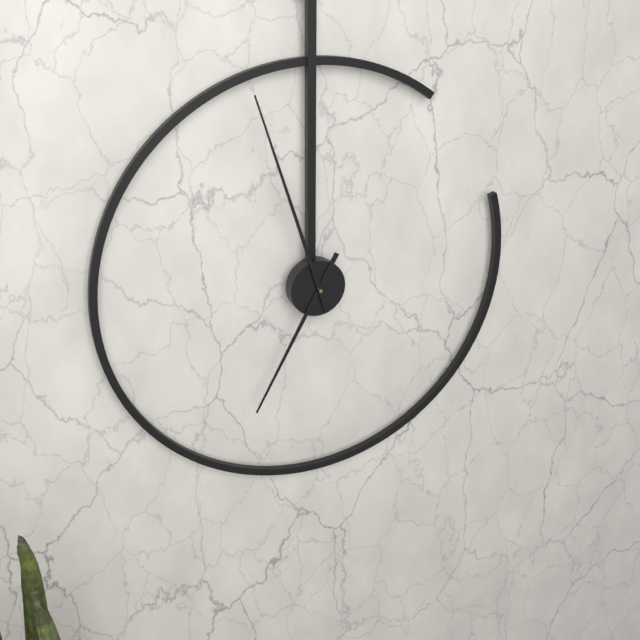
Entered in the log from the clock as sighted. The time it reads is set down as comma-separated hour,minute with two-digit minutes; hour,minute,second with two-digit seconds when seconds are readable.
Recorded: 6,57
